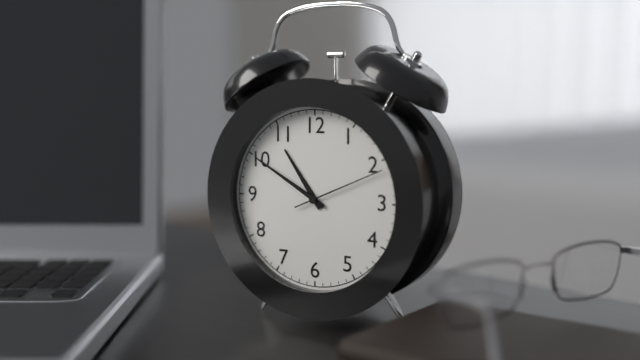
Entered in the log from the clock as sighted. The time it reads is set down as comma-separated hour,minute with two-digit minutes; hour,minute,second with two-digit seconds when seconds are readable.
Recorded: 10,50,11
